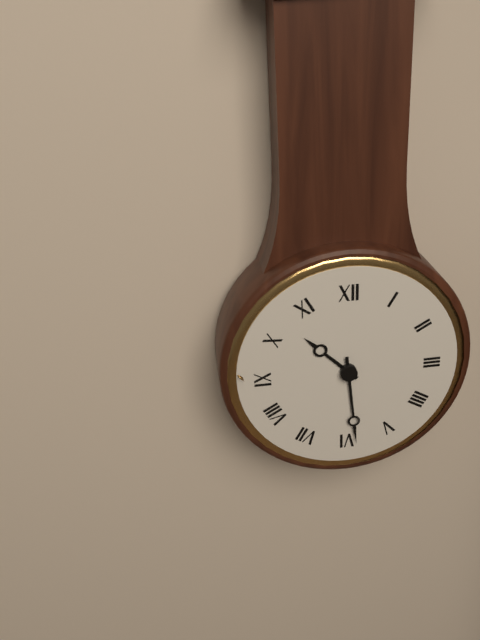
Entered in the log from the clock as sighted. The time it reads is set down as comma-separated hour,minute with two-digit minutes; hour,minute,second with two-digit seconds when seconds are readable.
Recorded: 10,29
